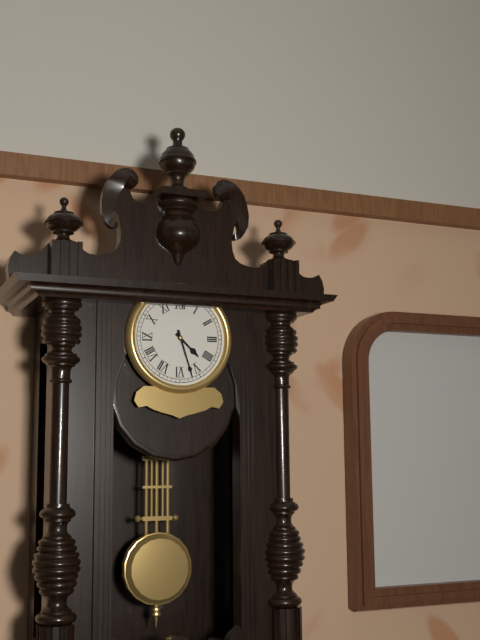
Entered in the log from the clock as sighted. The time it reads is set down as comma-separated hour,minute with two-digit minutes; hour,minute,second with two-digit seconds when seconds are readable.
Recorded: 4,27
